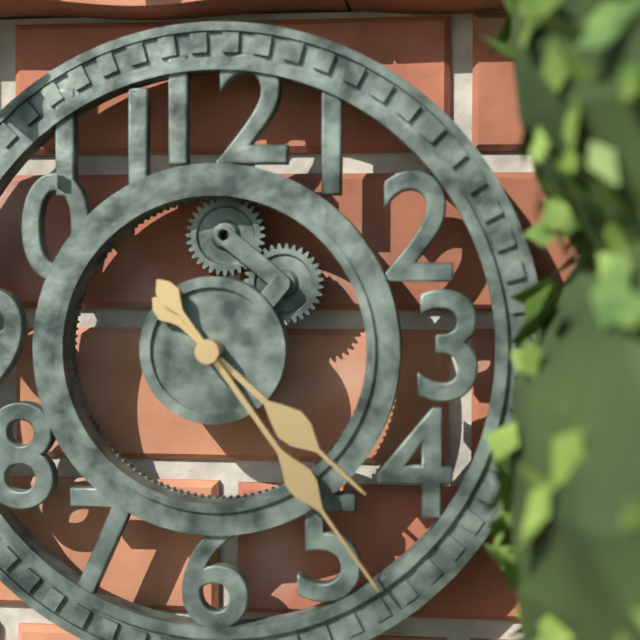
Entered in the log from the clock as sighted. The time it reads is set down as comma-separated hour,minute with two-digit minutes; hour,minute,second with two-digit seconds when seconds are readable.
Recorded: 4,24
